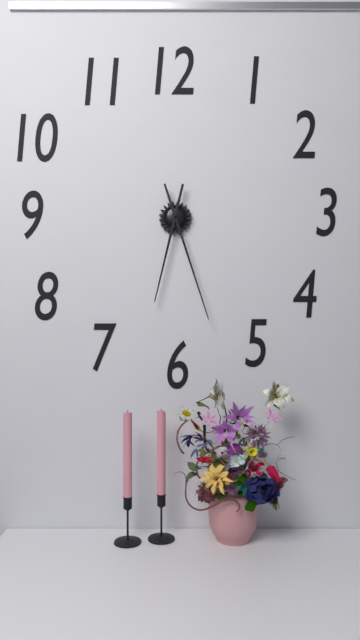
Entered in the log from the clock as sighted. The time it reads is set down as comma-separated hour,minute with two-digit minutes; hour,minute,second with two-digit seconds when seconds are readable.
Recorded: 6,27
